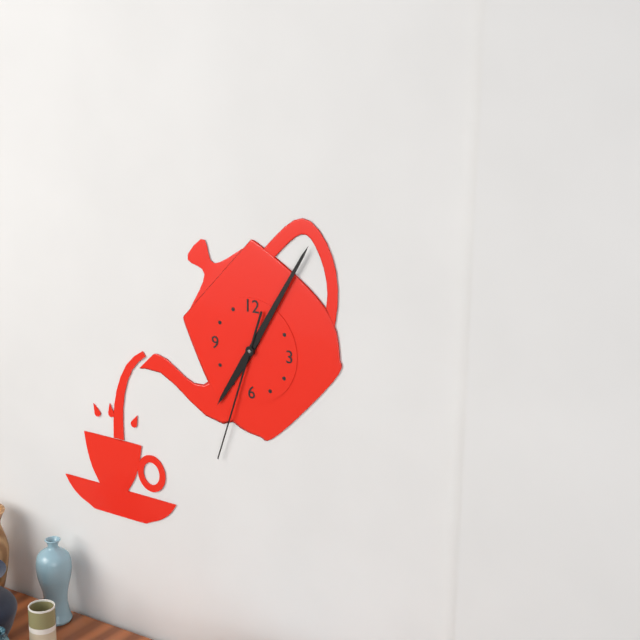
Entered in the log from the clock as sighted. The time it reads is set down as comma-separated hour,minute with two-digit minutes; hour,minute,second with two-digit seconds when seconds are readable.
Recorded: 7,05,33
